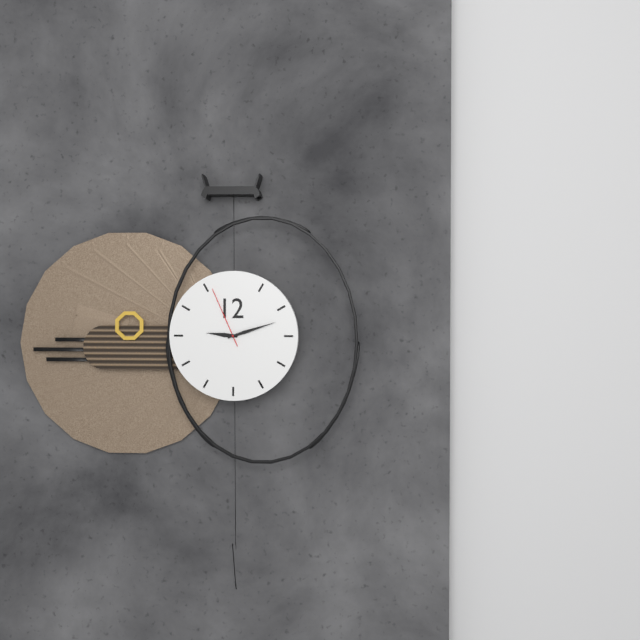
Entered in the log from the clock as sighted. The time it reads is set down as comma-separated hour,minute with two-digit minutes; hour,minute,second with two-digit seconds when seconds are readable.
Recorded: 9,12,56
